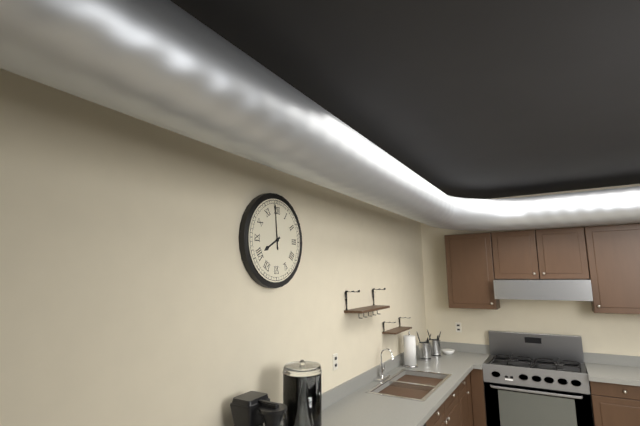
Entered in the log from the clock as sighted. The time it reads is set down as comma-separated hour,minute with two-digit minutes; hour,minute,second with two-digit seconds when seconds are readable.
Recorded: 7,59
